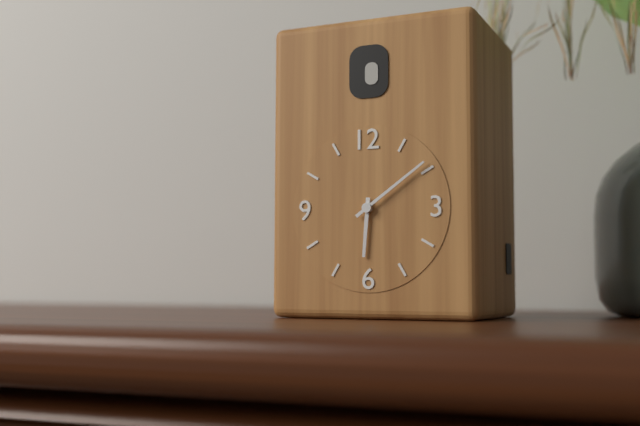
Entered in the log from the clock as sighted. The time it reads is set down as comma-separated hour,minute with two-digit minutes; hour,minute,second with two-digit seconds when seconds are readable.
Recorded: 6,09
